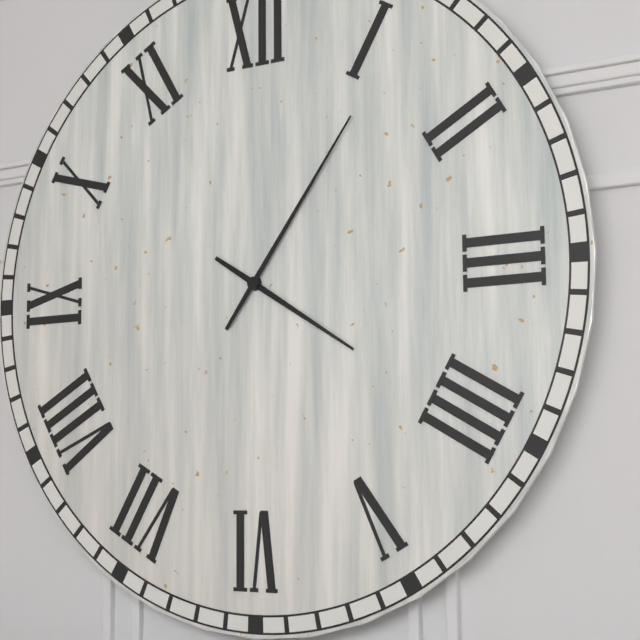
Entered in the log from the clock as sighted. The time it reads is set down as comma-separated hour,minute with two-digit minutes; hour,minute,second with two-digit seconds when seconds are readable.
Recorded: 4,06
